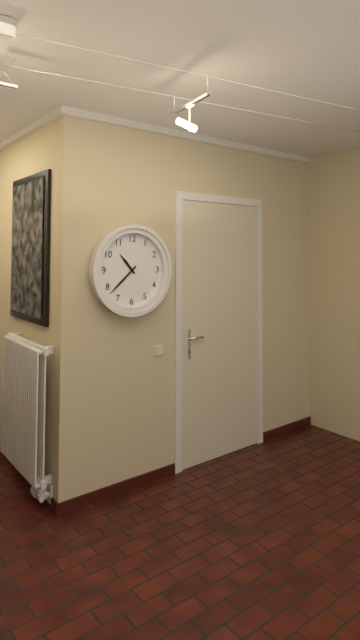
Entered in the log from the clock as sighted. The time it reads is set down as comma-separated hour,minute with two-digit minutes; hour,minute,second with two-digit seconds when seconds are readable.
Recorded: 10,38
